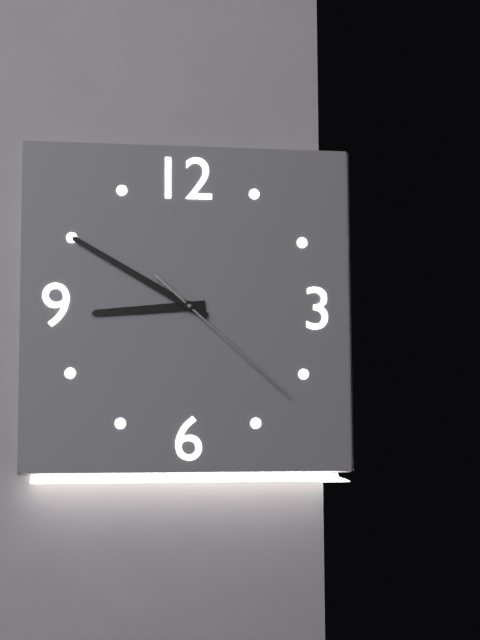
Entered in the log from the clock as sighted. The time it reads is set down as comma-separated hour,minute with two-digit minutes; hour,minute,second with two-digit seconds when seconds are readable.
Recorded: 8,50,22
